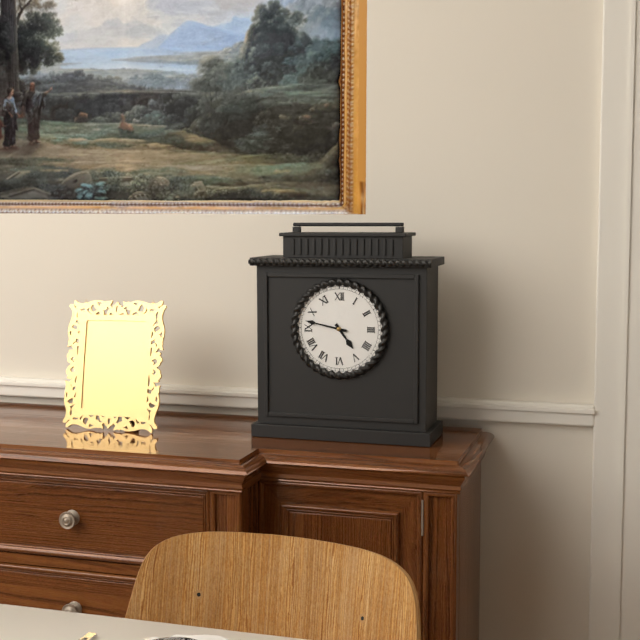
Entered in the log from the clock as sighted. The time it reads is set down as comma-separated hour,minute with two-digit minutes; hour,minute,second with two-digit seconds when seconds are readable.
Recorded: 4,47
